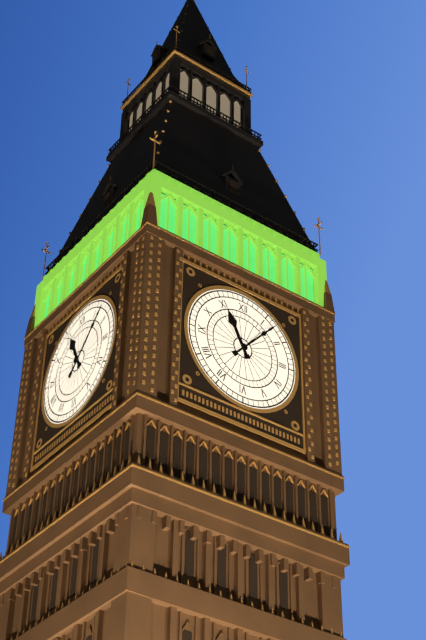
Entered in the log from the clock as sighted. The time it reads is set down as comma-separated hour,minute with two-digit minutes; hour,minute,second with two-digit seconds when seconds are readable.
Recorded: 11,07
